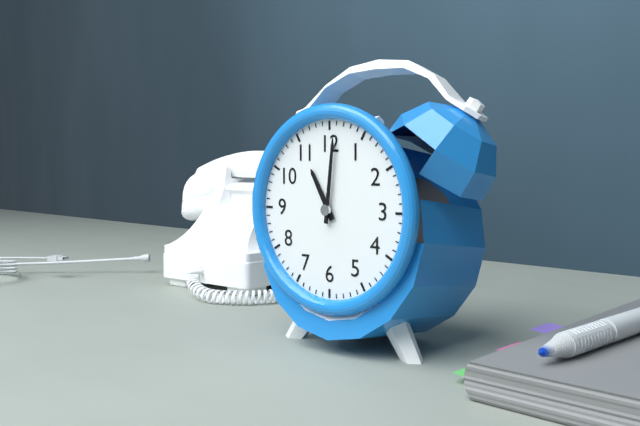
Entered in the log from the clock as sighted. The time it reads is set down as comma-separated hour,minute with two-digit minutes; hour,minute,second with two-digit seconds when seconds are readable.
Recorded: 11,01
